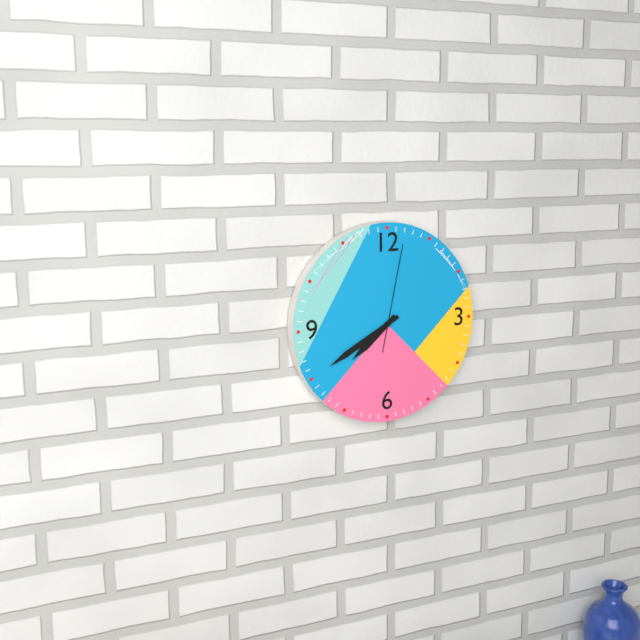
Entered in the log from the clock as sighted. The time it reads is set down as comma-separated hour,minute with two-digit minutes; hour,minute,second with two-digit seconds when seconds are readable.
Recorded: 7,40,02
